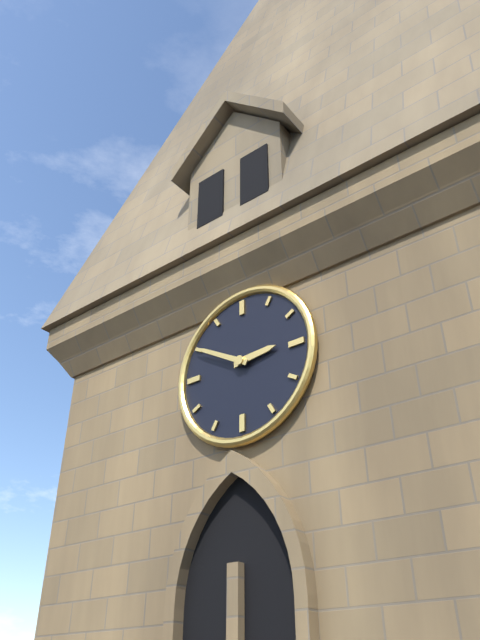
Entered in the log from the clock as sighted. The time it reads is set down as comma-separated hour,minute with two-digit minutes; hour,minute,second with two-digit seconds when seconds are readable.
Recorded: 2,50
